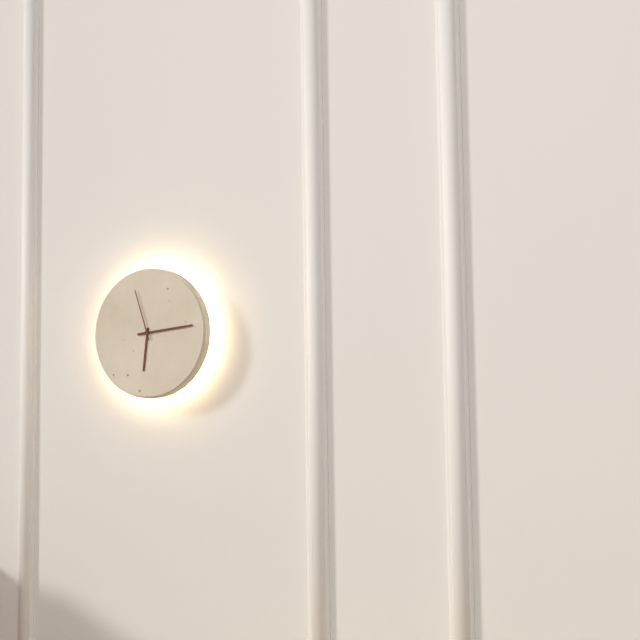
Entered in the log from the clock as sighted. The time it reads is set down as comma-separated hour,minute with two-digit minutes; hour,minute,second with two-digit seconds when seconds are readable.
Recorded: 6,14,57
